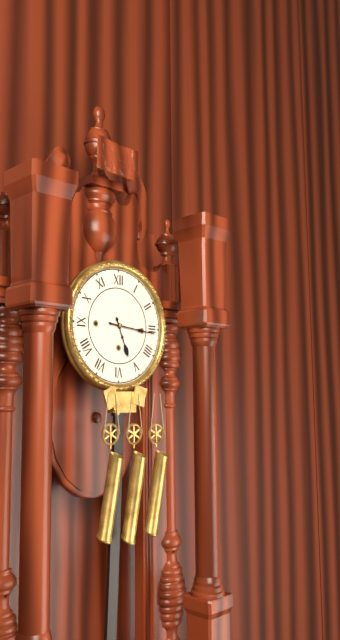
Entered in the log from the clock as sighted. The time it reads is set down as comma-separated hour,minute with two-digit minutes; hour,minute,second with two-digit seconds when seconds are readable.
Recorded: 5,16
